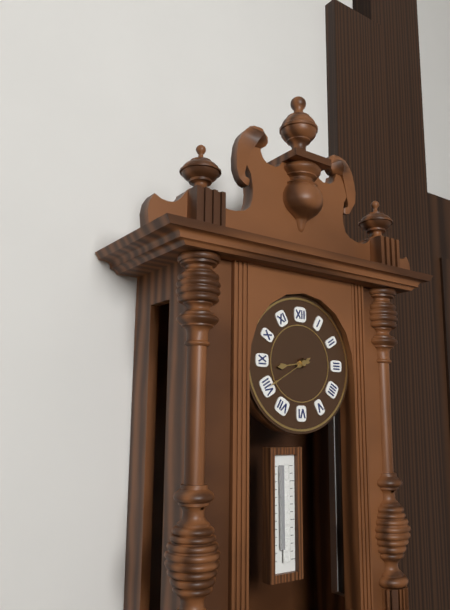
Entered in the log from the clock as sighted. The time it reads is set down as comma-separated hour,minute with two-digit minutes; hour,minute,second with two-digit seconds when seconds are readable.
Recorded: 8,40
